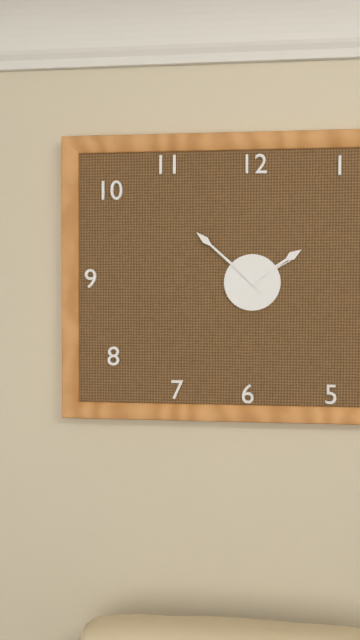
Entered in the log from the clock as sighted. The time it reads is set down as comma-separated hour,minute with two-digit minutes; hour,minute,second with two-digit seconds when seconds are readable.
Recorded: 1,52,10
